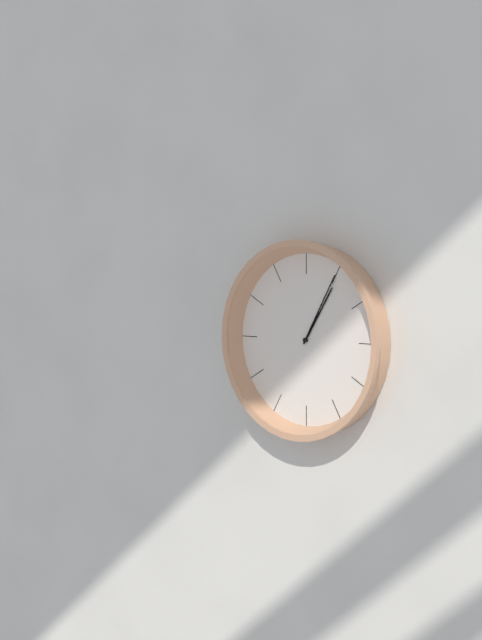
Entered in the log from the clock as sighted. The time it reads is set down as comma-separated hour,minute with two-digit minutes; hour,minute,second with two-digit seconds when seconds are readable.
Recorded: 1,05
